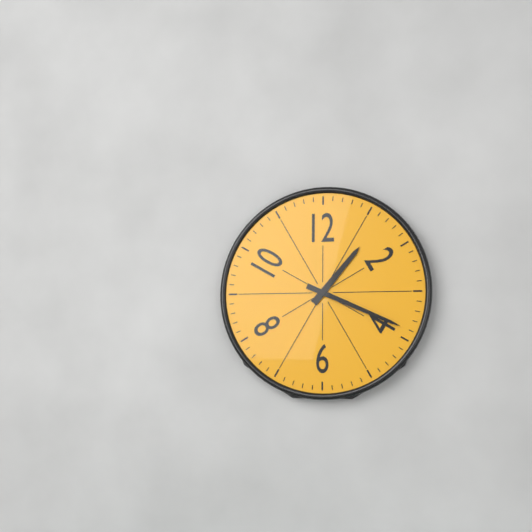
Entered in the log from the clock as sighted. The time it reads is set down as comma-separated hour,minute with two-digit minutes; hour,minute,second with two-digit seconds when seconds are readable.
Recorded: 1,19
